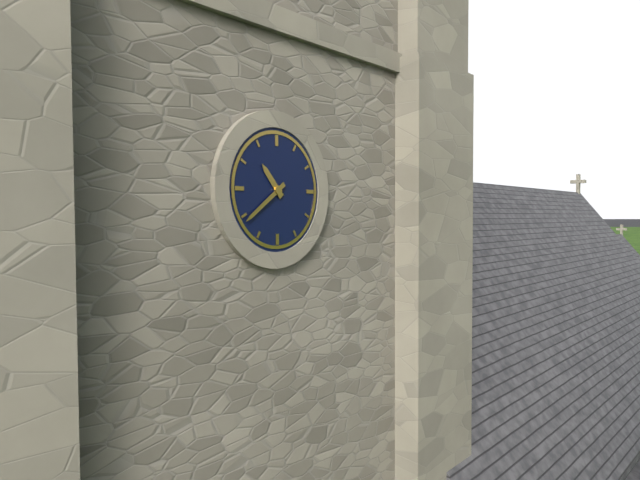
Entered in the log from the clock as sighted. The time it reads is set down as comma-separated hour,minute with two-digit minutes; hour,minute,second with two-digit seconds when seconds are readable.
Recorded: 10,39
